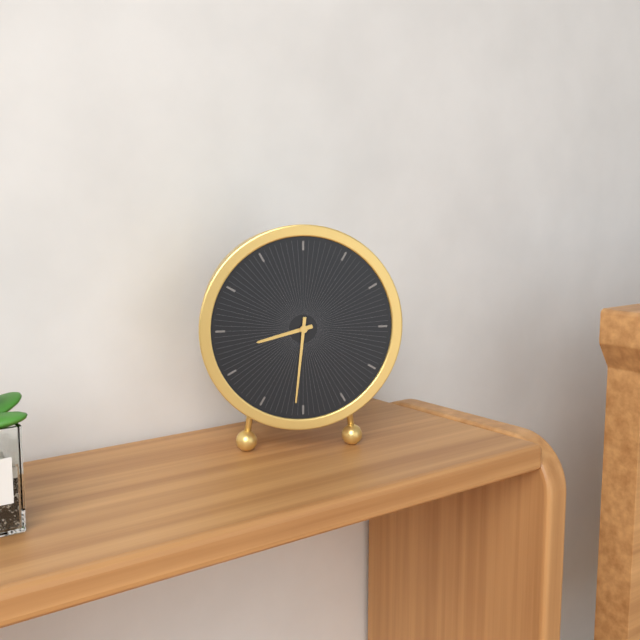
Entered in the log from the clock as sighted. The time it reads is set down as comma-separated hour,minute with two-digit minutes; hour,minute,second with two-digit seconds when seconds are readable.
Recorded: 8,31
